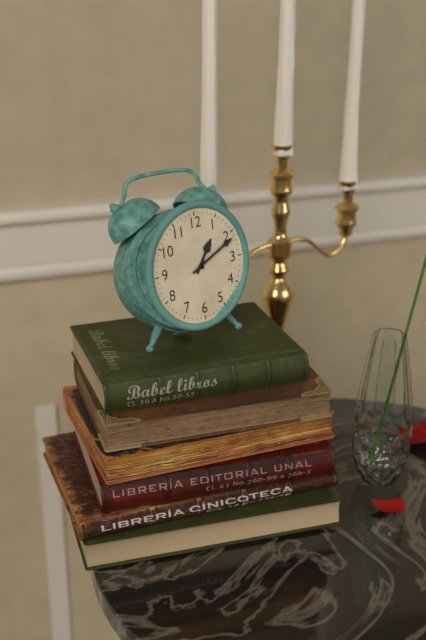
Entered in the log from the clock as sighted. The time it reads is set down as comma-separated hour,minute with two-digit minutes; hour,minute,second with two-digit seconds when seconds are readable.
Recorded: 1,11
